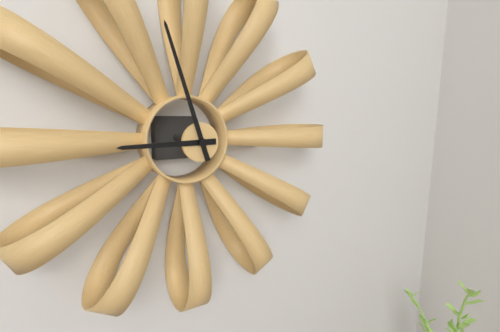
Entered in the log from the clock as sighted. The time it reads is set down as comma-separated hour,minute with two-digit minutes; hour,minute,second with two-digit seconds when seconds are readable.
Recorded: 8,57
